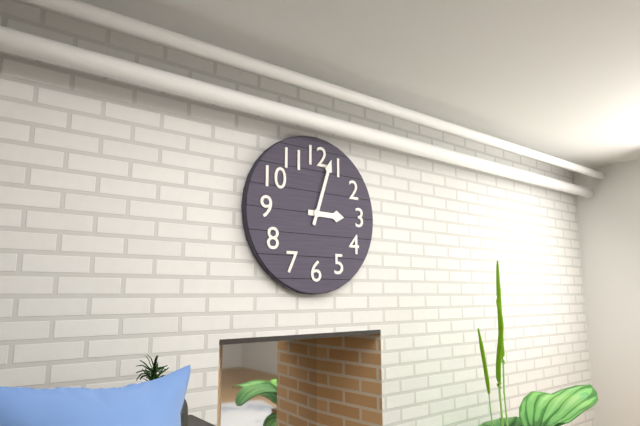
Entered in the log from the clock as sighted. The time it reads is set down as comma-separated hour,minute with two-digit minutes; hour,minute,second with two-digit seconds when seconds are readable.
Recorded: 3,03
